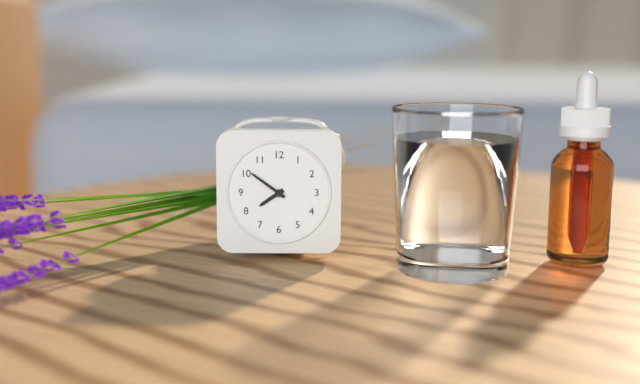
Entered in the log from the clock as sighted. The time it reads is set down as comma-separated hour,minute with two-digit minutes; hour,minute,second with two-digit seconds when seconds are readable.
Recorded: 7,51
